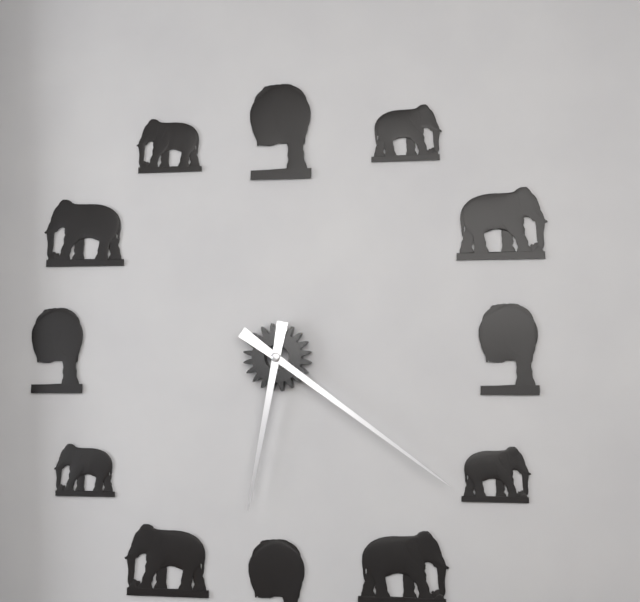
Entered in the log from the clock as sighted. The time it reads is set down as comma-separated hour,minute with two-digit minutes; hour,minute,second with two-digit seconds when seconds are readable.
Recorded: 6,21
